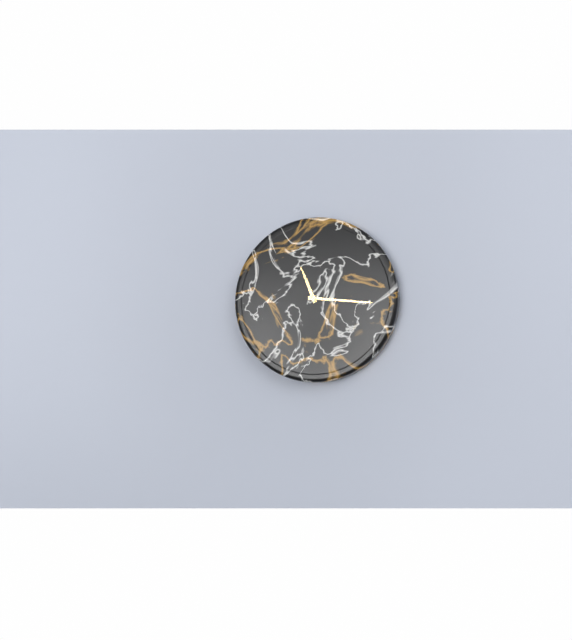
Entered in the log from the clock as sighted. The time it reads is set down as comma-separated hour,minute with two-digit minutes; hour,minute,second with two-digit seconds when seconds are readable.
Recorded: 11,16
